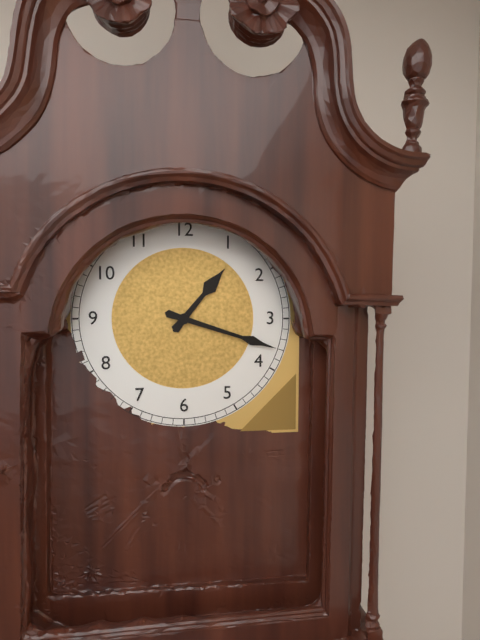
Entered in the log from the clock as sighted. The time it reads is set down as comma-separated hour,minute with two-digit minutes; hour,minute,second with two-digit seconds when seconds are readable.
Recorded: 1,18
